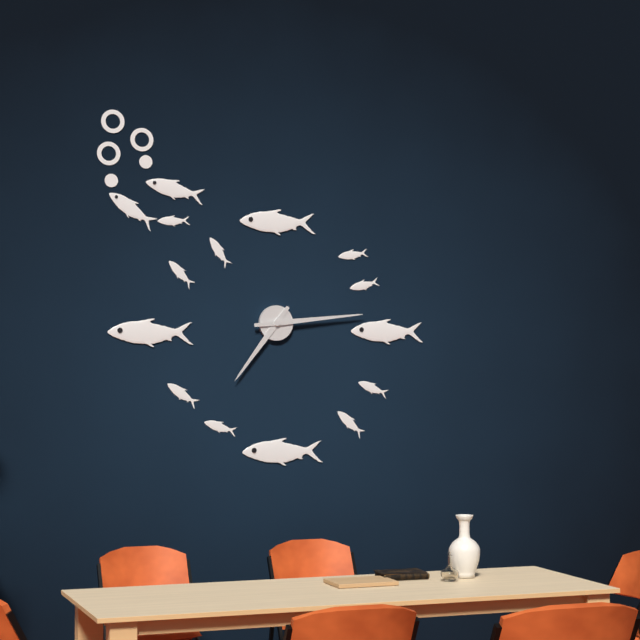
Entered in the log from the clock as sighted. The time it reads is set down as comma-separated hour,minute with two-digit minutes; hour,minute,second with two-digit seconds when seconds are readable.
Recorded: 7,14
